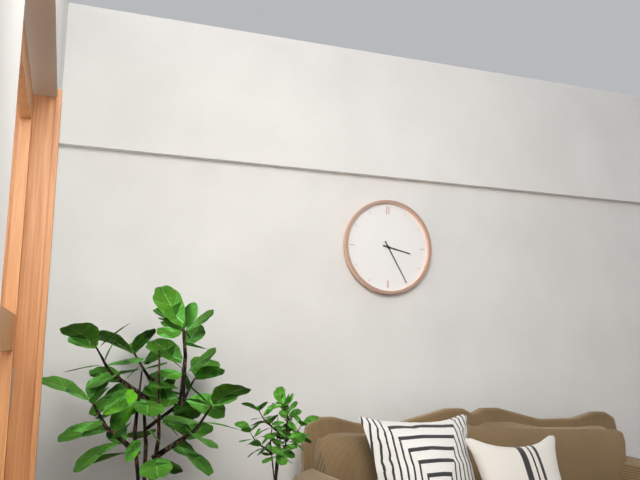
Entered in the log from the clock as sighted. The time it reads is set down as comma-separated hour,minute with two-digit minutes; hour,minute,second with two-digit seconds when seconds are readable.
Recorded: 3,25
